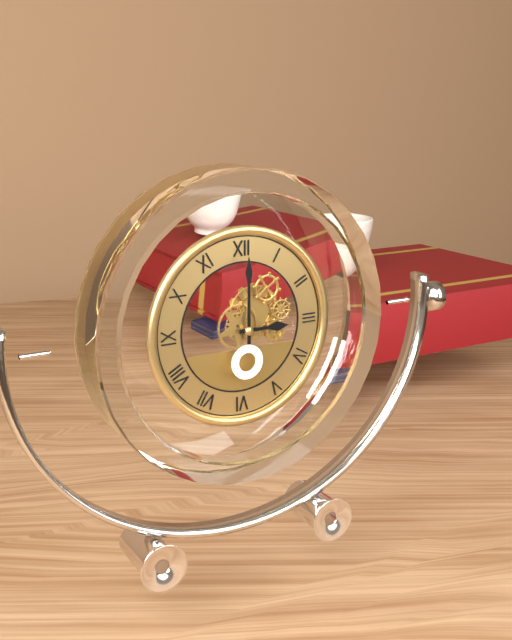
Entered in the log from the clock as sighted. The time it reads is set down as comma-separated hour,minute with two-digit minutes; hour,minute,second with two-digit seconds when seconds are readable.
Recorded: 3,00
